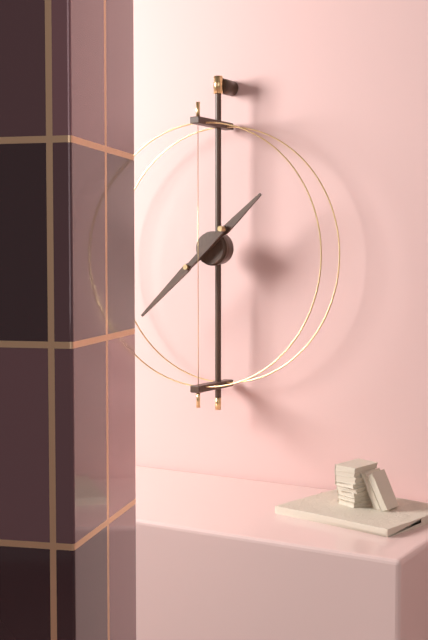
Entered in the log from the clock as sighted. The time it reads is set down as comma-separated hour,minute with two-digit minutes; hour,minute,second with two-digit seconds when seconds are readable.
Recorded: 1,38
